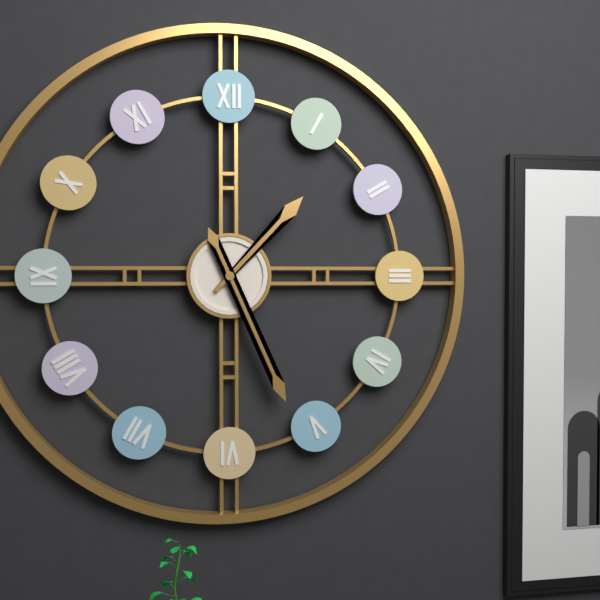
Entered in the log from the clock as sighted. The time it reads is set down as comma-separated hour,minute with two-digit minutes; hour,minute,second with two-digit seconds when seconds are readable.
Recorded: 1,26
